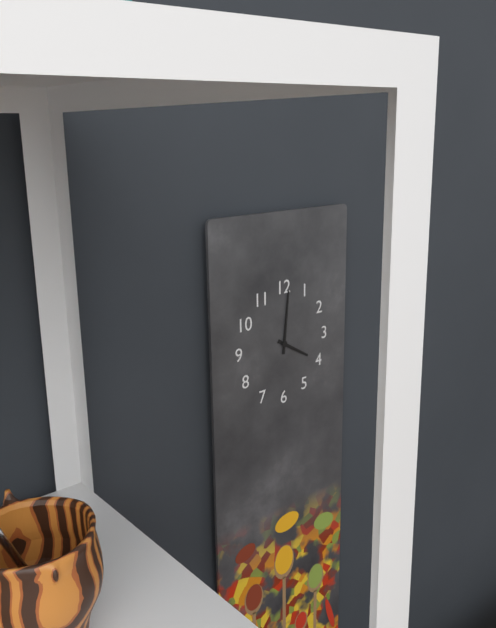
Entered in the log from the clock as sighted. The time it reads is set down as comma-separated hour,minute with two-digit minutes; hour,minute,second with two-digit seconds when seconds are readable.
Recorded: 4,01
